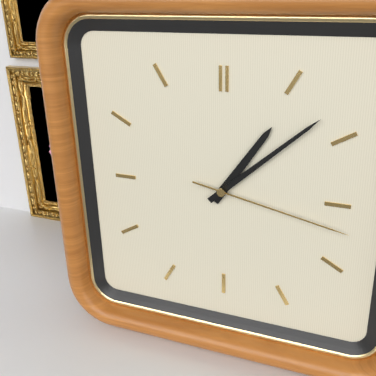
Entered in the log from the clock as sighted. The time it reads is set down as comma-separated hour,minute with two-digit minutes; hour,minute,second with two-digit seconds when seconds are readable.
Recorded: 1,08,17
